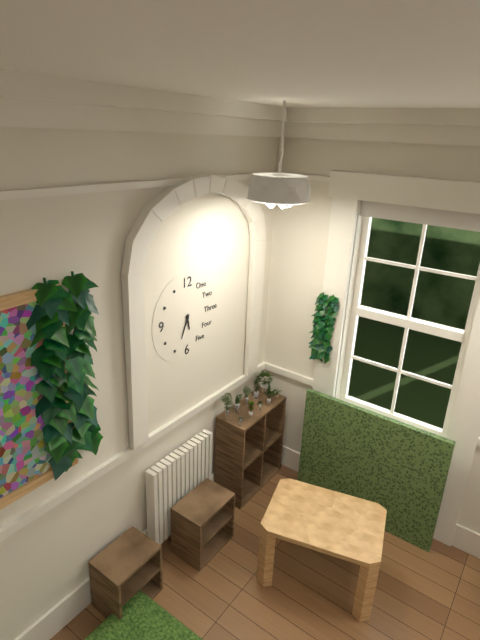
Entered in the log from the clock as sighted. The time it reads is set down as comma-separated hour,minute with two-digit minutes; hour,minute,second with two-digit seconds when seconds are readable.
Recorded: 5,34
